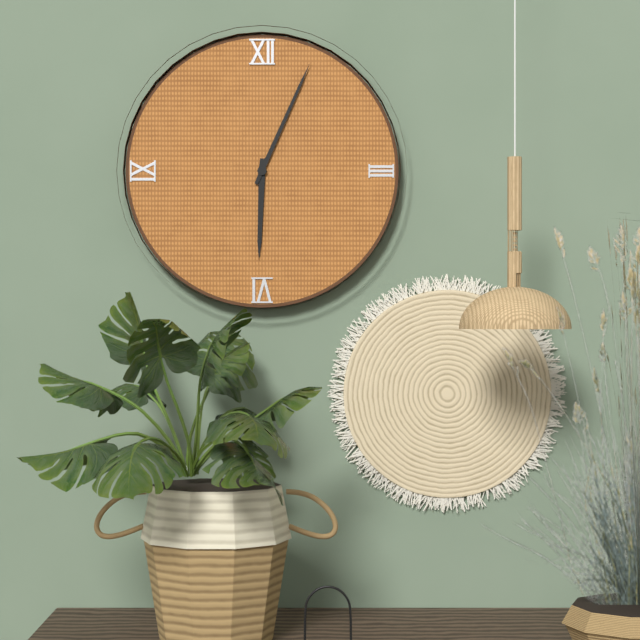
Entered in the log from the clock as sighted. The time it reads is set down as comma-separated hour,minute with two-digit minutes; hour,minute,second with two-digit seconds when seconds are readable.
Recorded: 6,04
